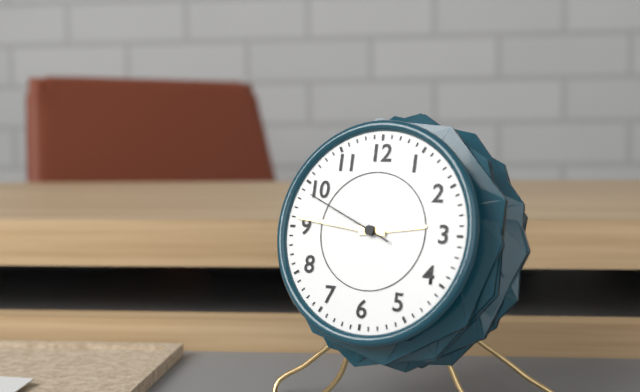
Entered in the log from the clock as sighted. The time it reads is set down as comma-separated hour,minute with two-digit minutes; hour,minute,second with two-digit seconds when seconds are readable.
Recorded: 2,46,49
